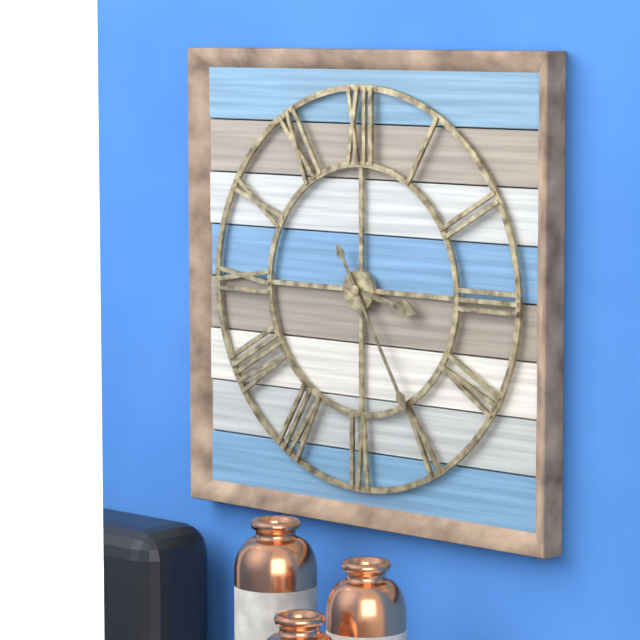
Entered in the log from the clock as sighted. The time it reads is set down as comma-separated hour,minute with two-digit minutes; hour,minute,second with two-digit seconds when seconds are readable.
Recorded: 3,25
